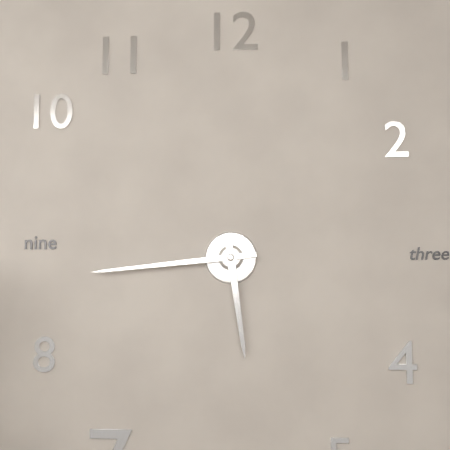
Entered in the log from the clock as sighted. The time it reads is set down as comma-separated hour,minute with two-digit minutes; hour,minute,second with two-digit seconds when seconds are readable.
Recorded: 5,44
